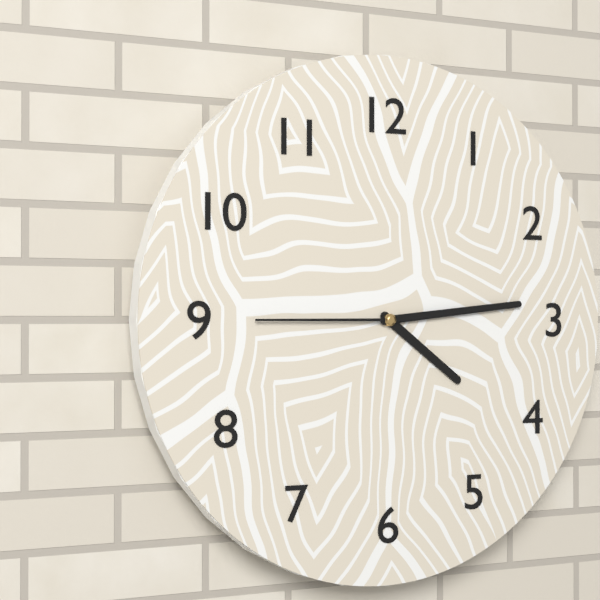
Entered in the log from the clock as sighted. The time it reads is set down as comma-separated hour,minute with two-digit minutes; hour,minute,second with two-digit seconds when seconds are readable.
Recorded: 4,14,45
